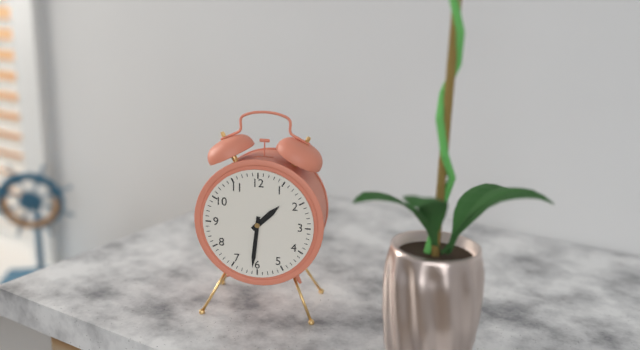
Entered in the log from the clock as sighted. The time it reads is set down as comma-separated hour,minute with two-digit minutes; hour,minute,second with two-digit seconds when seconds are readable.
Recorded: 1,31
